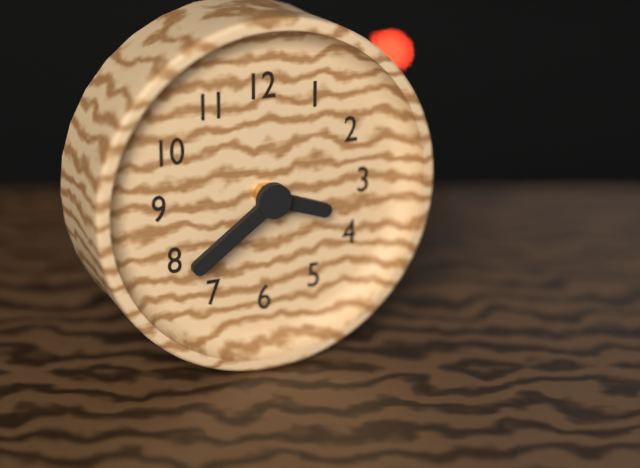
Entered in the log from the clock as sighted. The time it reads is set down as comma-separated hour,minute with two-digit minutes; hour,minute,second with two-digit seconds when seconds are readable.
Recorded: 3,39
